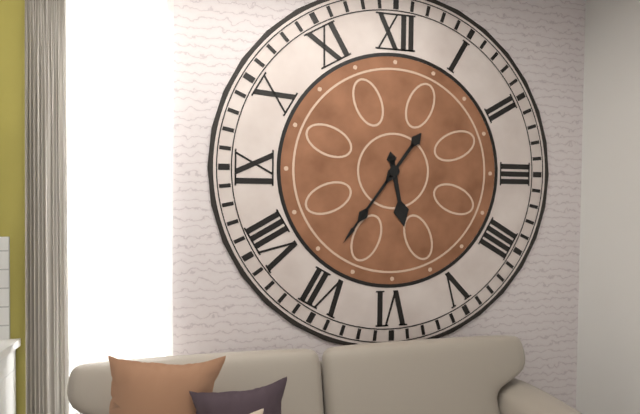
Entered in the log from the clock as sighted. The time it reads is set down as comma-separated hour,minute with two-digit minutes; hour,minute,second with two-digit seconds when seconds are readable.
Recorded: 5,36
